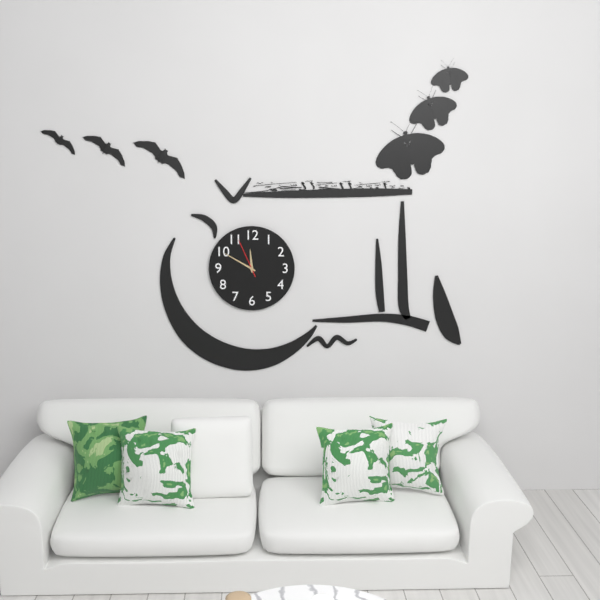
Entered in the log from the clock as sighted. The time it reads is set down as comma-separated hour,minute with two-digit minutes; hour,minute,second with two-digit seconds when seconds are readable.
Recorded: 11,50
